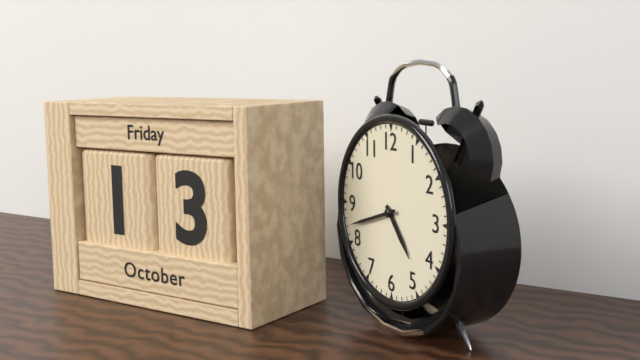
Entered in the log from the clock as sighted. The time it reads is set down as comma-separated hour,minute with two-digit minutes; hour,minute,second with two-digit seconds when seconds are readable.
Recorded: 4,42
